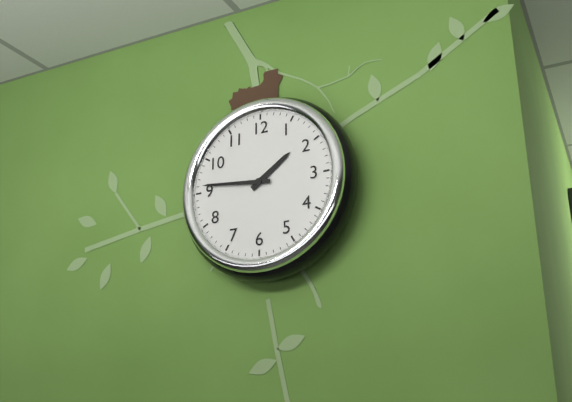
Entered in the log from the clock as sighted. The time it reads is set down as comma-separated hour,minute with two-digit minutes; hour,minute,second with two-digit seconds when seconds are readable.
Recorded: 1,46
